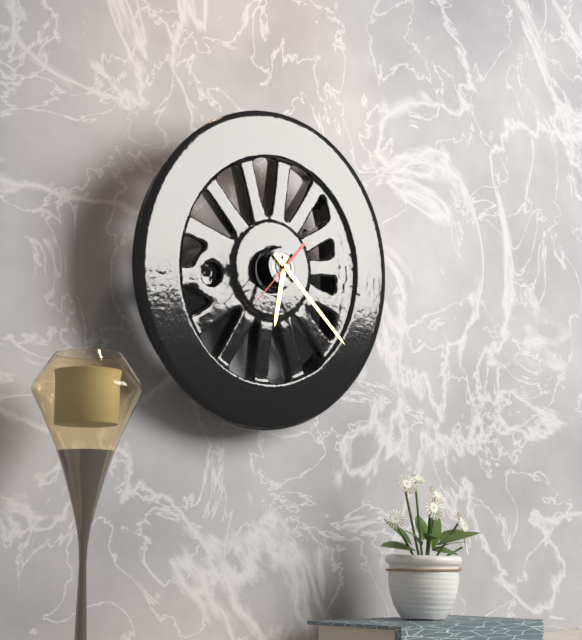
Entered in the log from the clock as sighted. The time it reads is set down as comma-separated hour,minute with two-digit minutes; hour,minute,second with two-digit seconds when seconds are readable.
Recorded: 6,22,37
